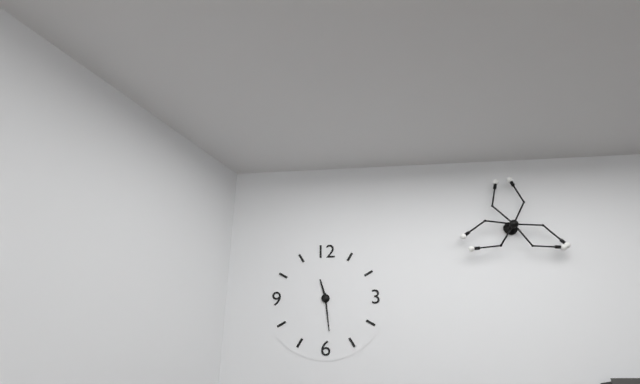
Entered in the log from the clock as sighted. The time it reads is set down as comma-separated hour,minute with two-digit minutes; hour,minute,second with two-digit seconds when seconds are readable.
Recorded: 11,29
